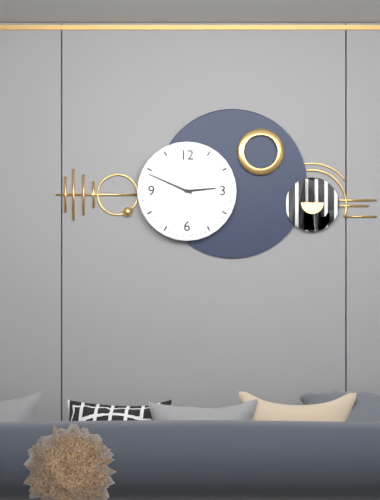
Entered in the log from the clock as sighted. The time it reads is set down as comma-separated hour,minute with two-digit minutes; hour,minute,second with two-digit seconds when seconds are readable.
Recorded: 2,49
